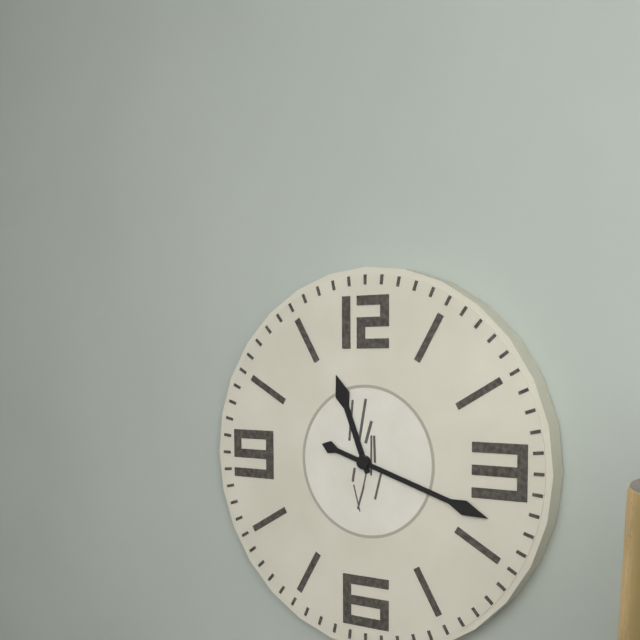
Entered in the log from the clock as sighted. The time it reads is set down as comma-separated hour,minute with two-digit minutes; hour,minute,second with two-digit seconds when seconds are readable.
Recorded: 11,18
